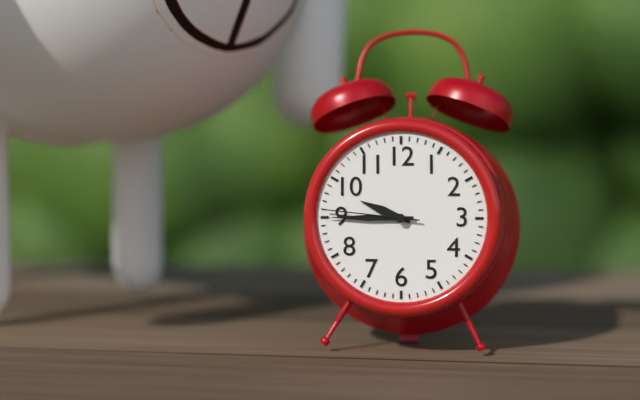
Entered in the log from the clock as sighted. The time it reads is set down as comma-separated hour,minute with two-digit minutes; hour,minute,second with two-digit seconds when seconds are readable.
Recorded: 9,45,46
